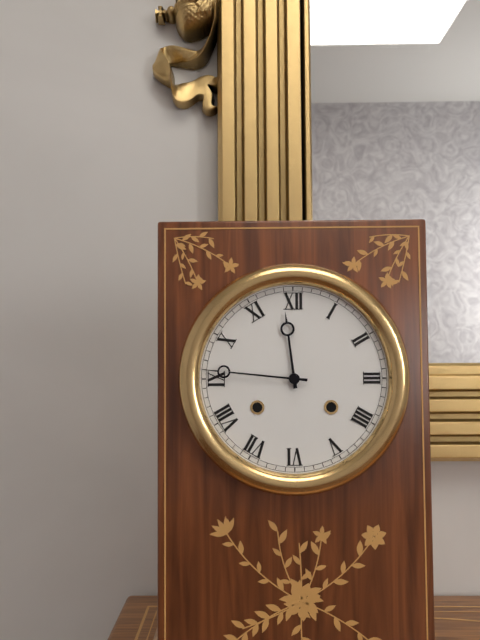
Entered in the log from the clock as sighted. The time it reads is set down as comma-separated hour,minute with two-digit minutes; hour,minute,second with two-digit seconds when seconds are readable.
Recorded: 11,46
